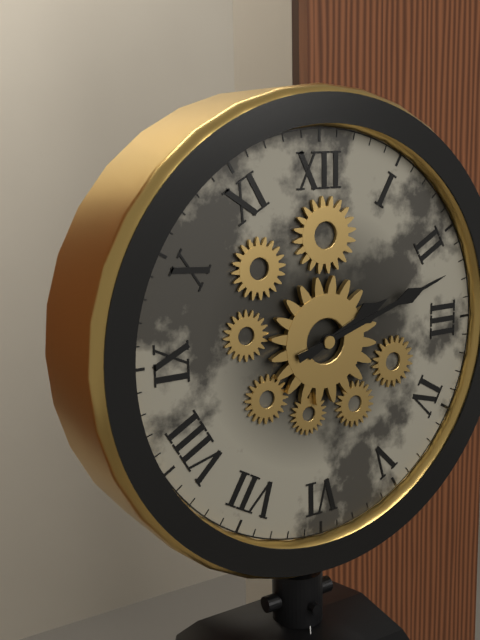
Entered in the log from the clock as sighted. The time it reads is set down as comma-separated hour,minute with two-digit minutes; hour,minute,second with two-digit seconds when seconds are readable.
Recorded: 2,12
